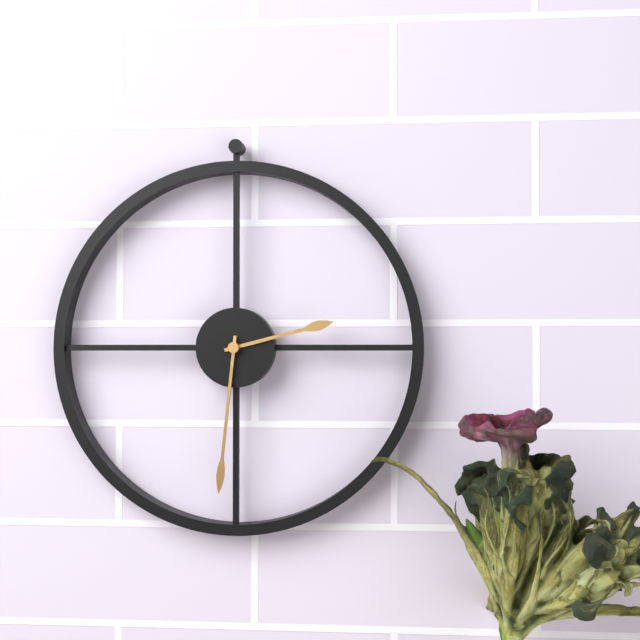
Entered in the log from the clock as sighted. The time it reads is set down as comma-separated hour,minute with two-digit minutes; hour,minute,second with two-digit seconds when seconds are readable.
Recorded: 2,31
